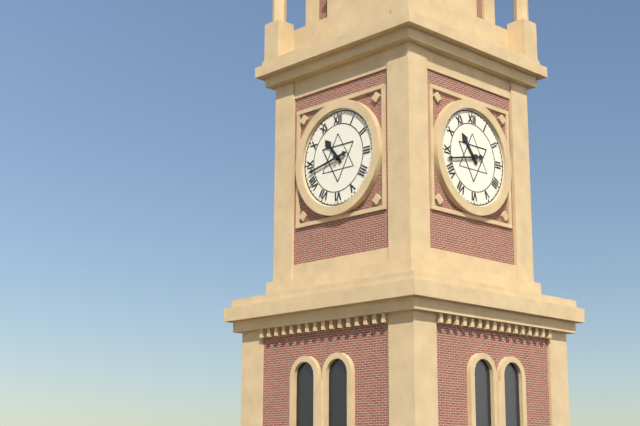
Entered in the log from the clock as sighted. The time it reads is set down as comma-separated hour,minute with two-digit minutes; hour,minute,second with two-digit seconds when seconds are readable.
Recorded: 10,43
